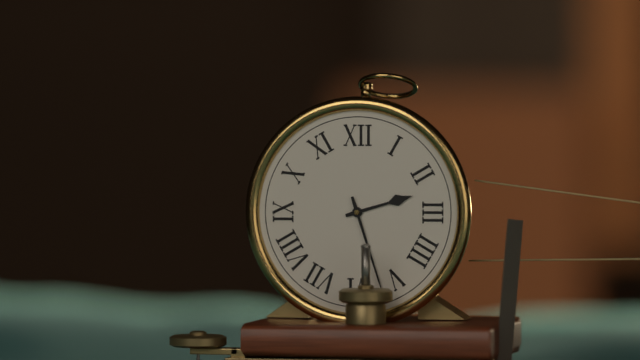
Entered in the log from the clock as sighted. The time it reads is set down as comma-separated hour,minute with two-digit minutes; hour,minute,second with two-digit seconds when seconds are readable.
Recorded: 2,27
